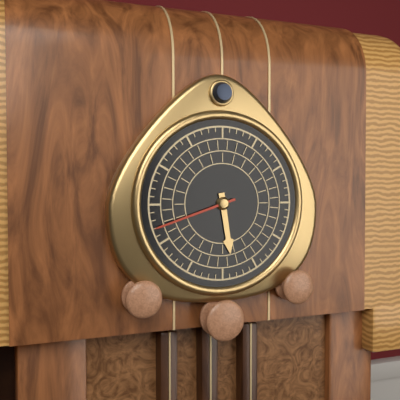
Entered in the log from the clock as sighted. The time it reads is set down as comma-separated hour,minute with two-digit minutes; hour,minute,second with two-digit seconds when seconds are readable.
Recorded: 5,42
